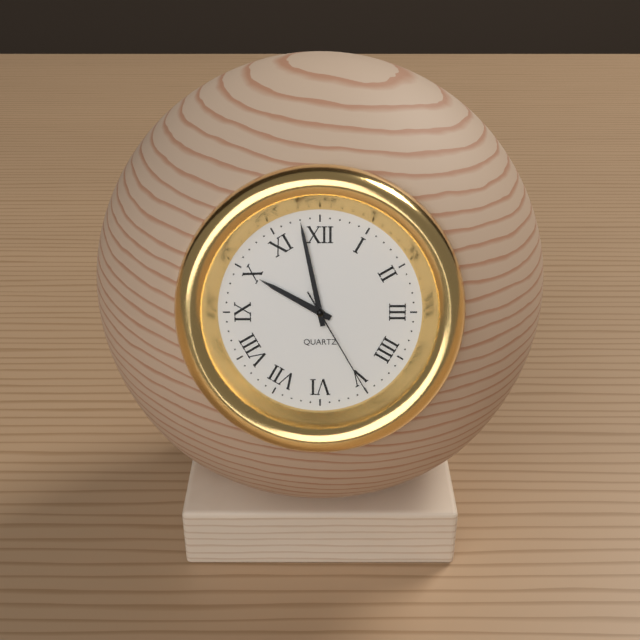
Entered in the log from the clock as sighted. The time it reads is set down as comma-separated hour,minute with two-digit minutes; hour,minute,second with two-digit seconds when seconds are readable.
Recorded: 9,58,25
